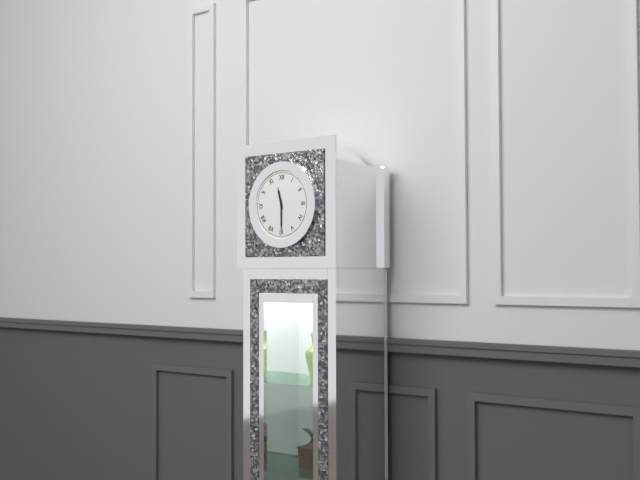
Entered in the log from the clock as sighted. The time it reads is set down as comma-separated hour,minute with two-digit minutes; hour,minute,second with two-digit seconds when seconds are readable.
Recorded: 11,30
